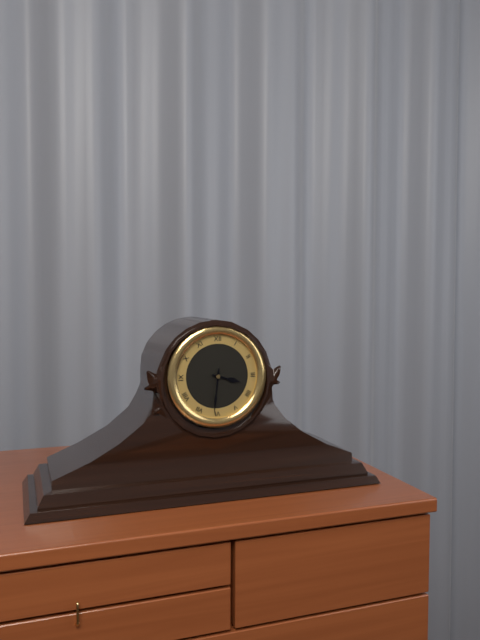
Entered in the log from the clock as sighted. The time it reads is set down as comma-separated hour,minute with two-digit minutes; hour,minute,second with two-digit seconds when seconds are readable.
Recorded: 3,31
